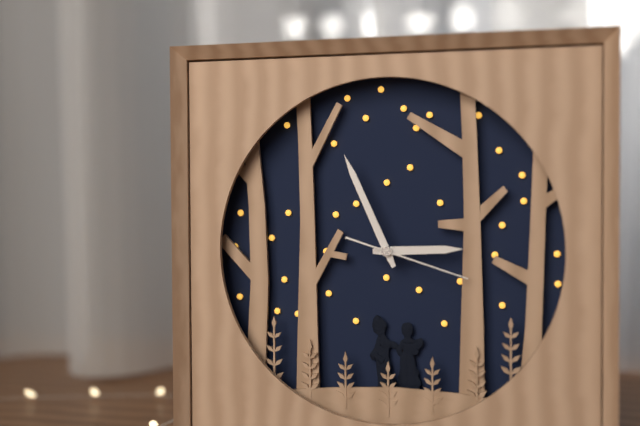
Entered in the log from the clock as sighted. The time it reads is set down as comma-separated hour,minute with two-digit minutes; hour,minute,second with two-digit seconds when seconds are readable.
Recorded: 2,56,18
